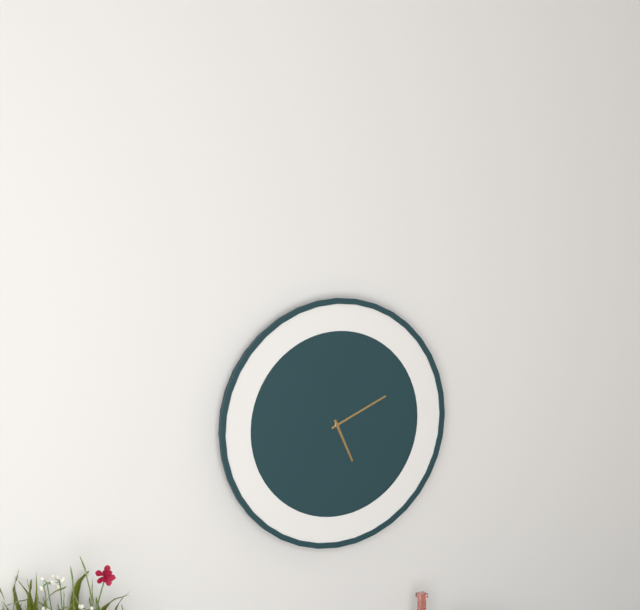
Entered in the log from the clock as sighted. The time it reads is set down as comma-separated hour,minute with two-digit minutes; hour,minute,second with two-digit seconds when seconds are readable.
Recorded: 5,11
